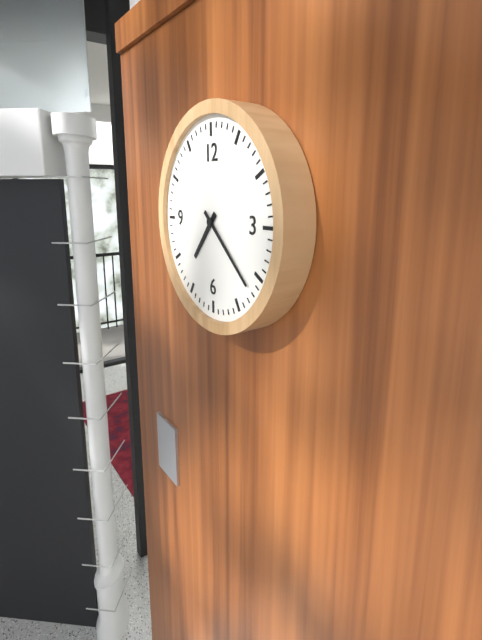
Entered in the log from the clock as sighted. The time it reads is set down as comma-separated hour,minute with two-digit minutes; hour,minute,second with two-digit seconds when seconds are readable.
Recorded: 7,22
